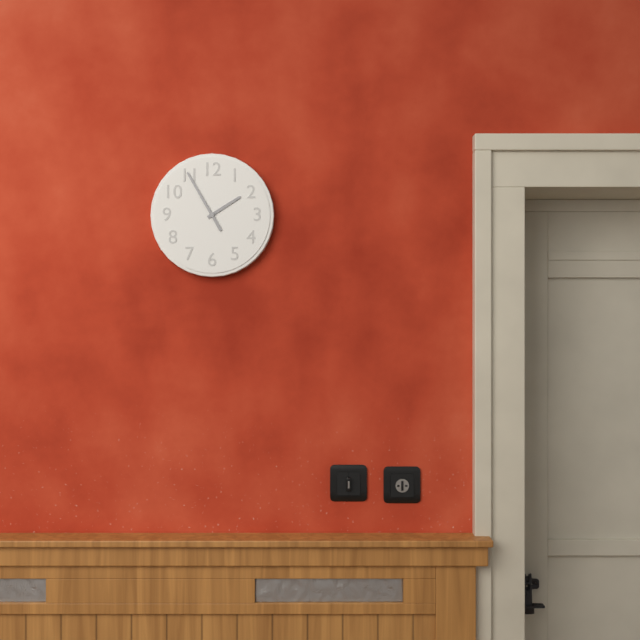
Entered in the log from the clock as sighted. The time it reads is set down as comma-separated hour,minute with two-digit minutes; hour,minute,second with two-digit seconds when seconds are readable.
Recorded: 1,55
